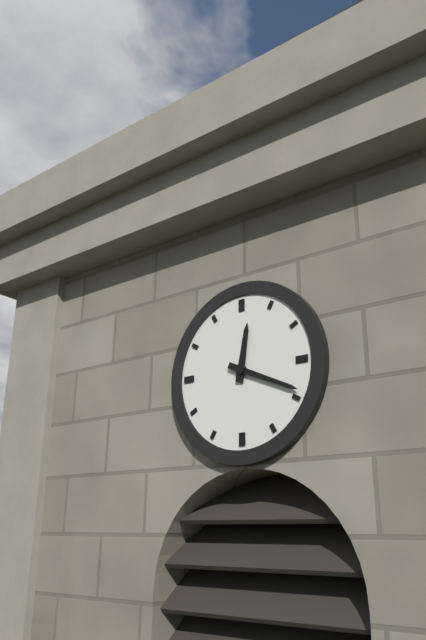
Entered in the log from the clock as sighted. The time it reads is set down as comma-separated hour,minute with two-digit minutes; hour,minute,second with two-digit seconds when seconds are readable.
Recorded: 12,19
